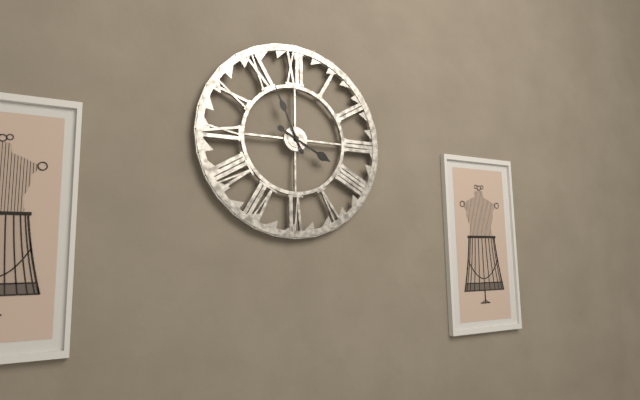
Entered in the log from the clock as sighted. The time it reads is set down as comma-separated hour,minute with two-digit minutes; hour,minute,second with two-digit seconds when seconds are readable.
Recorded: 3,56
